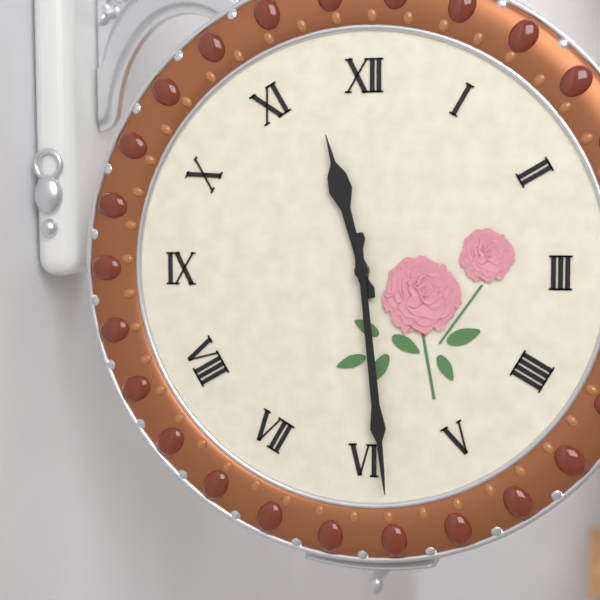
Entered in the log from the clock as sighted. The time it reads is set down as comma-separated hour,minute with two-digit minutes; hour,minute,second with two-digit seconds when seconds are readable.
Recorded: 11,29
